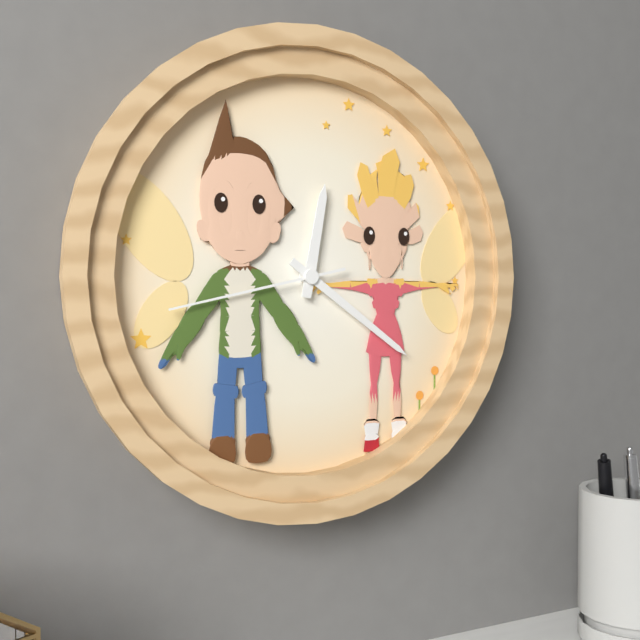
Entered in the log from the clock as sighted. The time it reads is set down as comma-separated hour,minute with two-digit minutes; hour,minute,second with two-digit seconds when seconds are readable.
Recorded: 12,21,43
